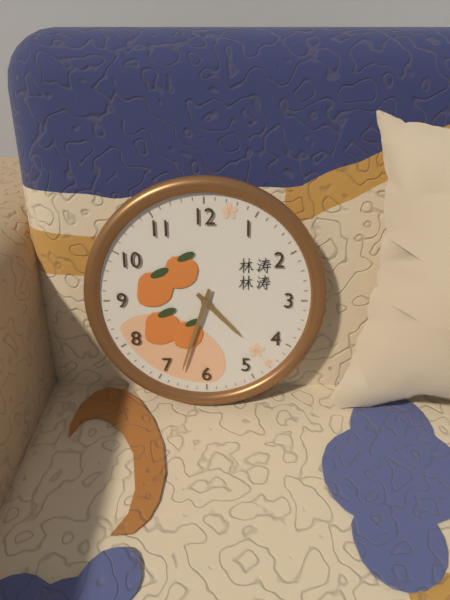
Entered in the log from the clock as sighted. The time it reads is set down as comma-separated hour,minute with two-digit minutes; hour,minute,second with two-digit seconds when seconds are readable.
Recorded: 4,33
